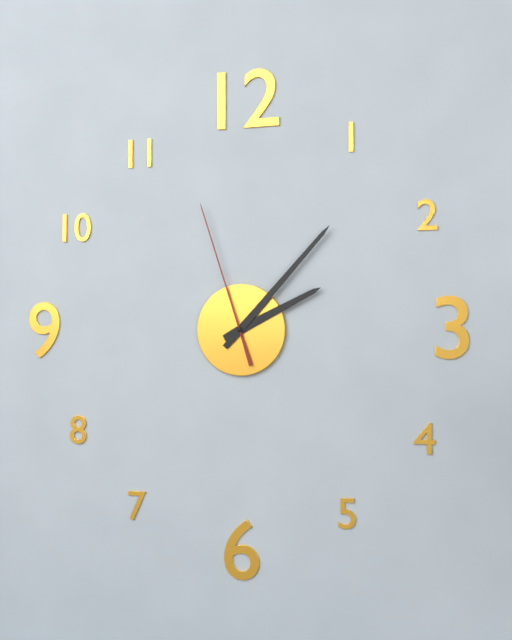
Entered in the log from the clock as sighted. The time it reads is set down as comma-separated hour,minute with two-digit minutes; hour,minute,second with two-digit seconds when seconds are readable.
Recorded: 2,07,57
